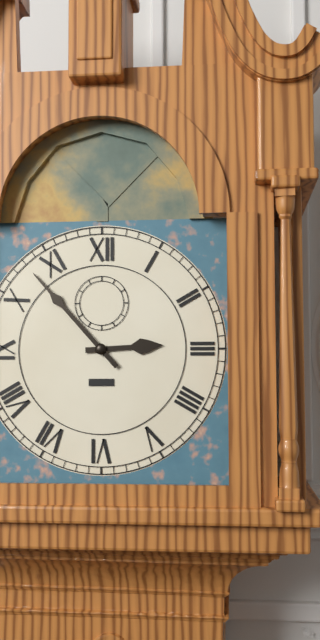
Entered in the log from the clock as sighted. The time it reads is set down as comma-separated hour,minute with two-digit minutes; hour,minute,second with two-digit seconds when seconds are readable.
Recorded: 2,53
